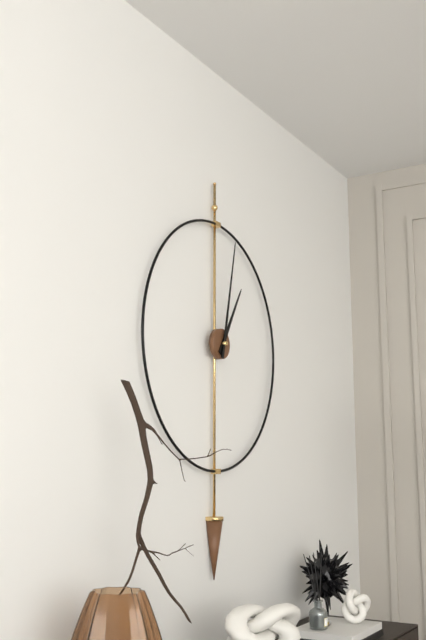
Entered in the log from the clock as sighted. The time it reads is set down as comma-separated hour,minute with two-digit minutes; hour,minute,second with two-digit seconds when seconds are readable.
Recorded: 1,02
